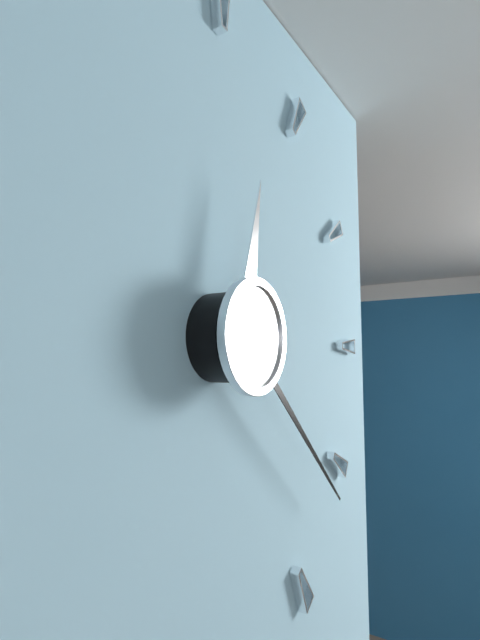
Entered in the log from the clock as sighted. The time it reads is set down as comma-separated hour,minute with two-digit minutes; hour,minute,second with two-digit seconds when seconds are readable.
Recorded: 12,22
